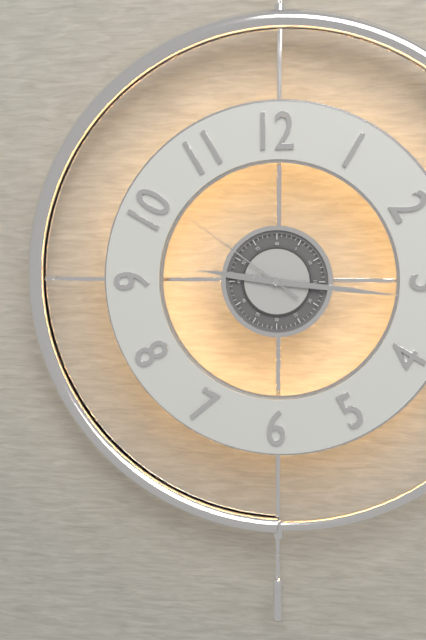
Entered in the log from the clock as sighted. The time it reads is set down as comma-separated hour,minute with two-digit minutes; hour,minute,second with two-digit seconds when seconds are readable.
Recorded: 9,16,51
